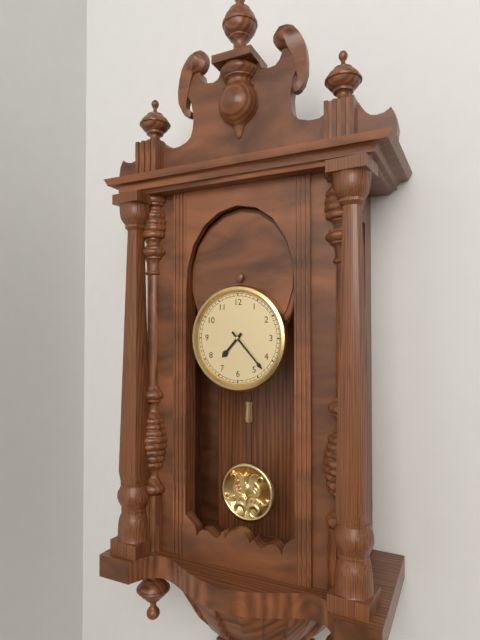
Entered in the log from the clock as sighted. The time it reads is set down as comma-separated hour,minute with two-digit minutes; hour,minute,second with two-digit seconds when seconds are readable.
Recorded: 7,23
